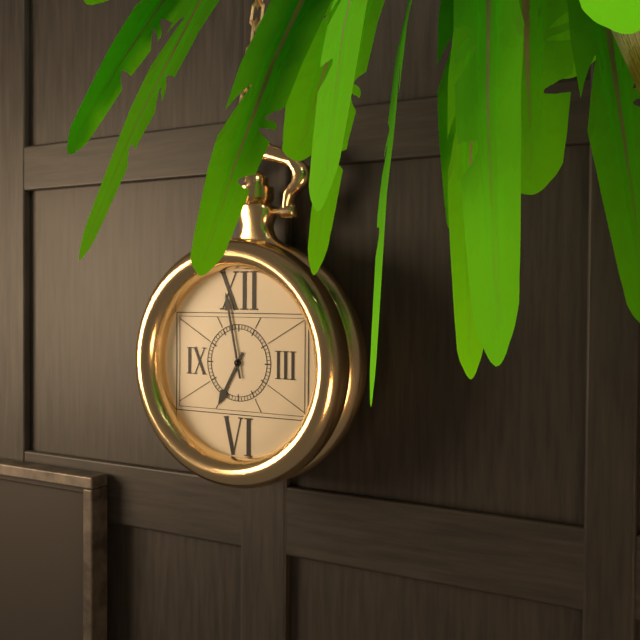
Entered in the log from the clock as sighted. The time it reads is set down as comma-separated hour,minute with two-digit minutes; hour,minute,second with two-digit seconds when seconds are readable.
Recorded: 6,58
